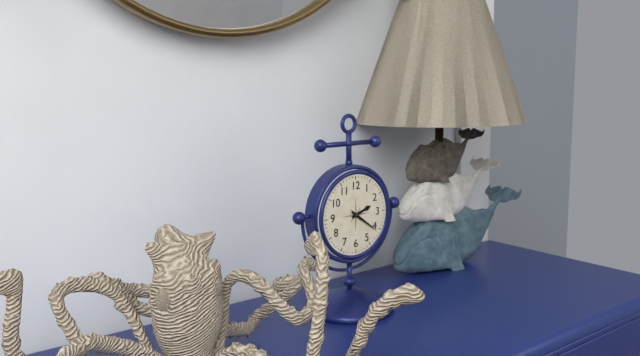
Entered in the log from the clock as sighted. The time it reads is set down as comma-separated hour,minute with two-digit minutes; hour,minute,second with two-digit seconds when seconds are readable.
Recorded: 2,21
